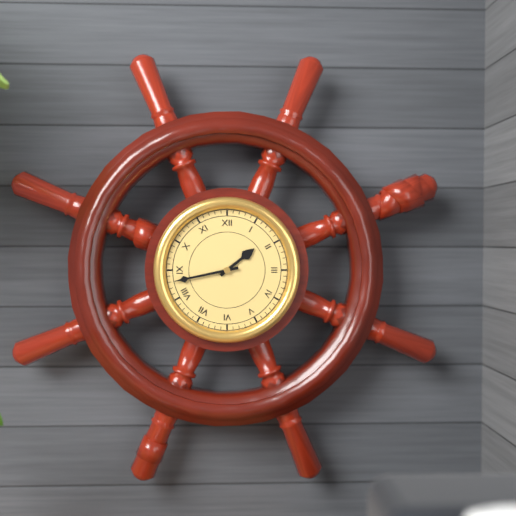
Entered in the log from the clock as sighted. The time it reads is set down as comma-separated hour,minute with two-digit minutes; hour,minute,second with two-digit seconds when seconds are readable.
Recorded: 1,43
